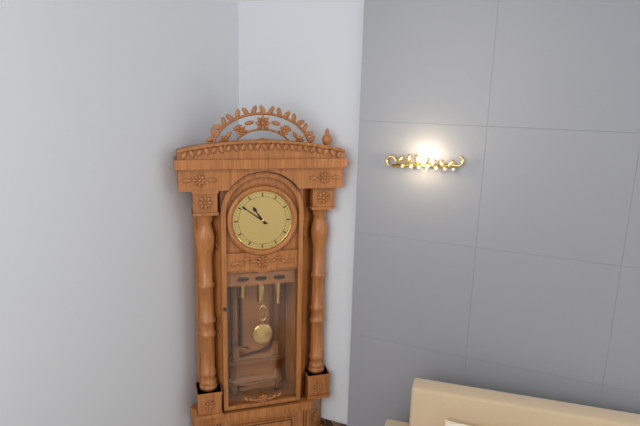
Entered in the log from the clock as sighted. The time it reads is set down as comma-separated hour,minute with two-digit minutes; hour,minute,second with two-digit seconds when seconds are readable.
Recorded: 10,51
